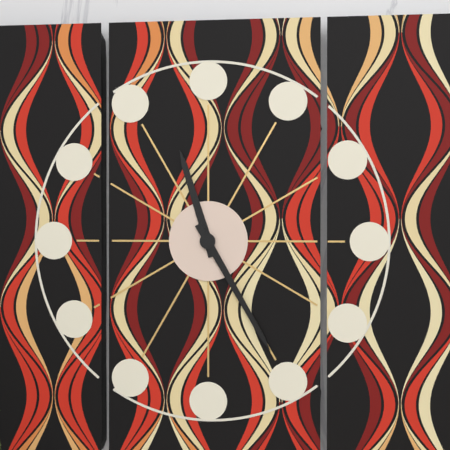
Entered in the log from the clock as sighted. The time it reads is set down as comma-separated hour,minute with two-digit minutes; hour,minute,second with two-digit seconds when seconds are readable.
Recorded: 11,25
